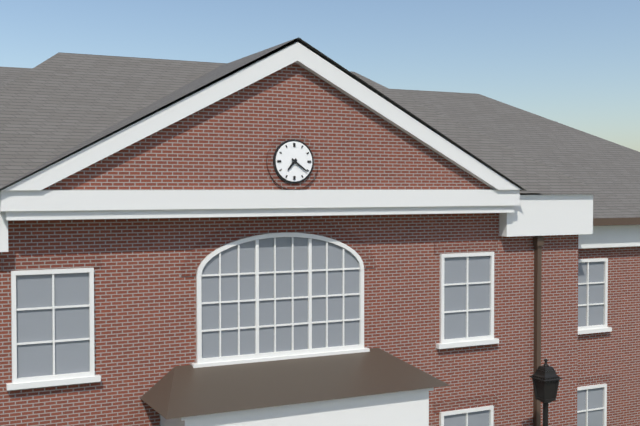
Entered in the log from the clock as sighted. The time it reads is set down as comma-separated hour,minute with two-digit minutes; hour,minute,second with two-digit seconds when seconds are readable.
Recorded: 7,21
